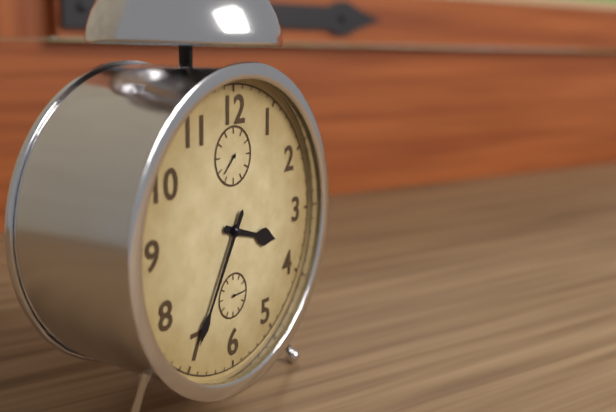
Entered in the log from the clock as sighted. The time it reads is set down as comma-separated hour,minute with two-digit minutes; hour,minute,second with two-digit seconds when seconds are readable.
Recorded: 3,35
